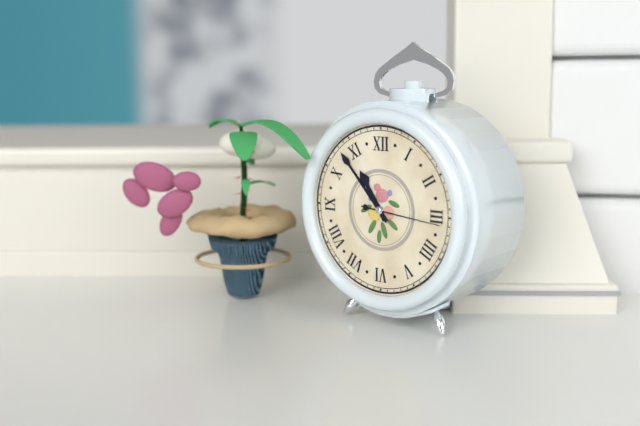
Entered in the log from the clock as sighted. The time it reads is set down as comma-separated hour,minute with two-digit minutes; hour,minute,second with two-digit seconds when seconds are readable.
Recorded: 10,53,16
